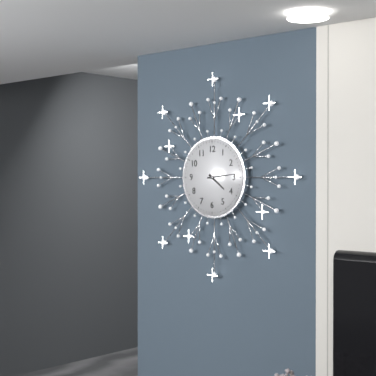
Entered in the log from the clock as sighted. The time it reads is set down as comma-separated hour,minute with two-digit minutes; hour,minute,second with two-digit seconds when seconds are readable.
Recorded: 4,14
